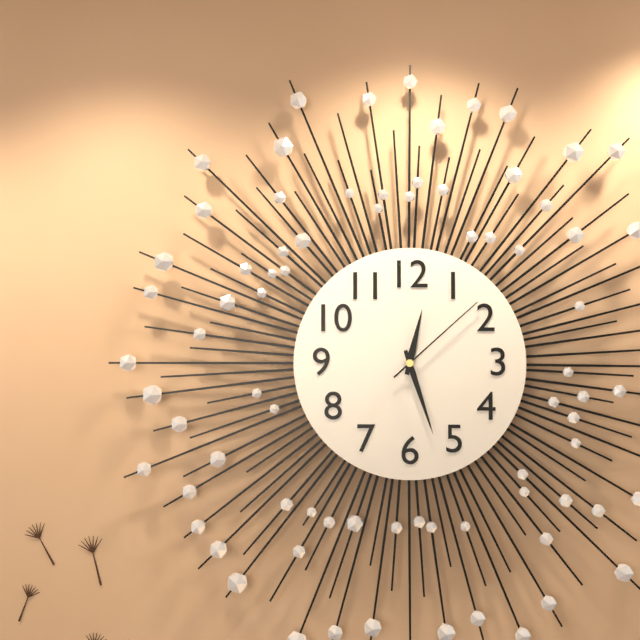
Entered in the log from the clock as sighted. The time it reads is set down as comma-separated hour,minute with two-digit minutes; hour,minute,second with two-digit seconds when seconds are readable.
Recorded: 12,27,08
